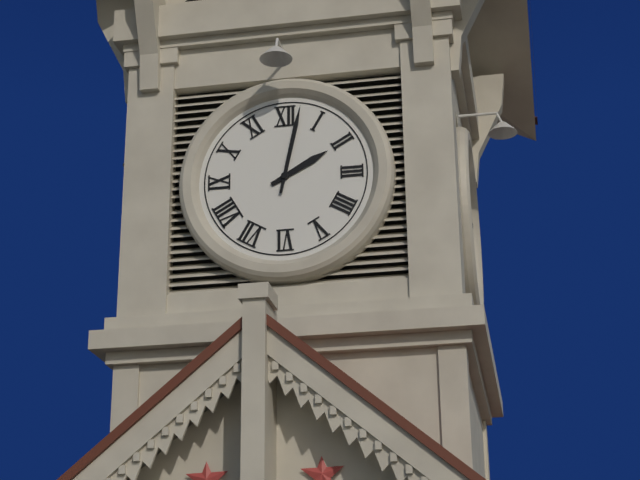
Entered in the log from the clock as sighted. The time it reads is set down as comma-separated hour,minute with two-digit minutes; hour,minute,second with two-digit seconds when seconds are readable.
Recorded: 2,02
